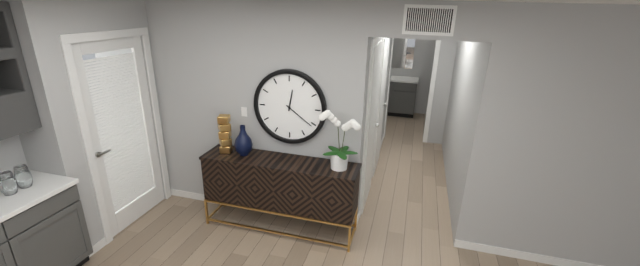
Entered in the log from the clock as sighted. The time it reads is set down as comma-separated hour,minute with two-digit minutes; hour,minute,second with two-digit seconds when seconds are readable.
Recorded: 12,21
